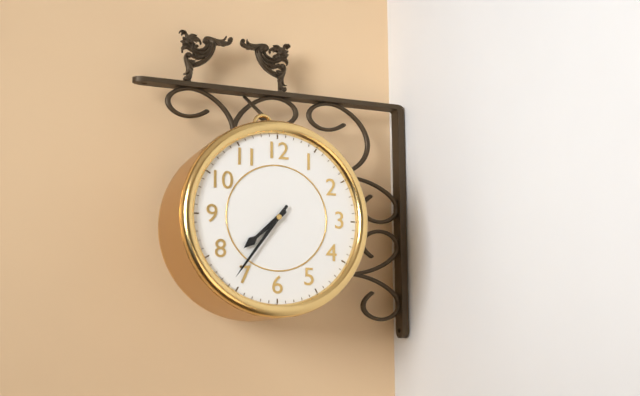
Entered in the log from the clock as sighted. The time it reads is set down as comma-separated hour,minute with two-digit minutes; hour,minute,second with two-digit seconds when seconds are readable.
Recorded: 7,36
